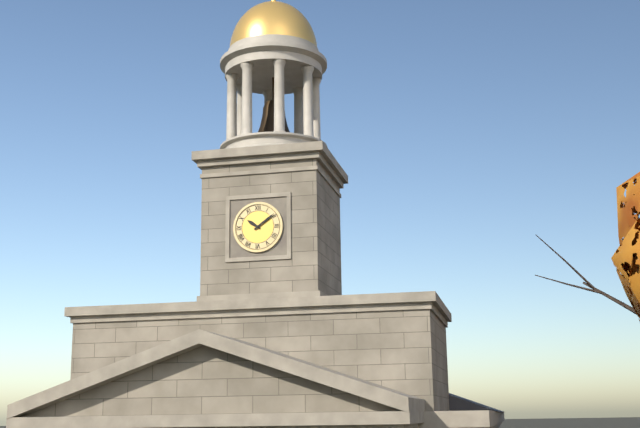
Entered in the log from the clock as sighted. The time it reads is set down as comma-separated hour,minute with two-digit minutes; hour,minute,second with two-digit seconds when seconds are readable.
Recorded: 10,09
